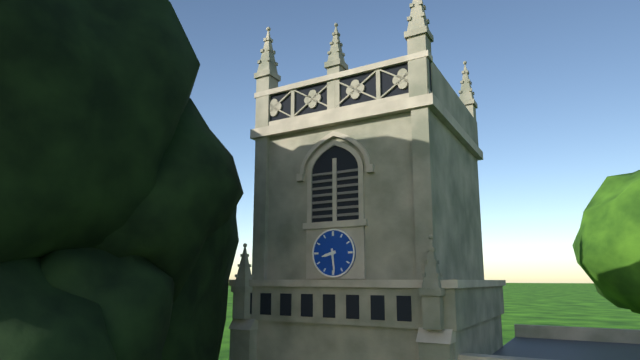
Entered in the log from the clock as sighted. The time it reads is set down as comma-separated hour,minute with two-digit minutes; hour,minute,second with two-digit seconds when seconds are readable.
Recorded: 8,29
